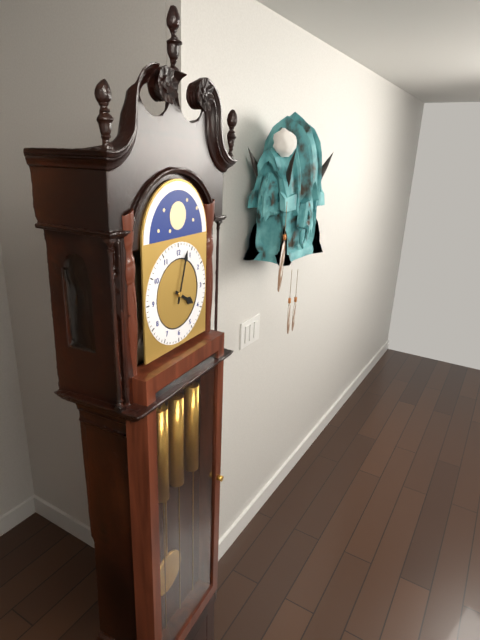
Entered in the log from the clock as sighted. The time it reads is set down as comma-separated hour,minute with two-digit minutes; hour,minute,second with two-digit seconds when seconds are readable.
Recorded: 4,03
